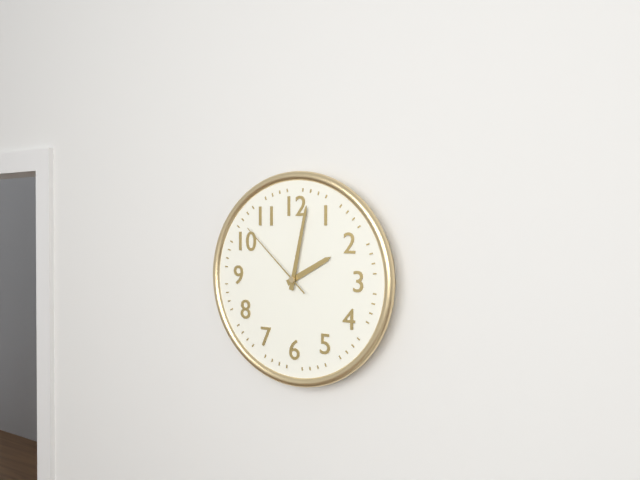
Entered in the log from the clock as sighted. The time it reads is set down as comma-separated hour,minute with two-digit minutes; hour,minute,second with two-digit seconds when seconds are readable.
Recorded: 2,02,52
